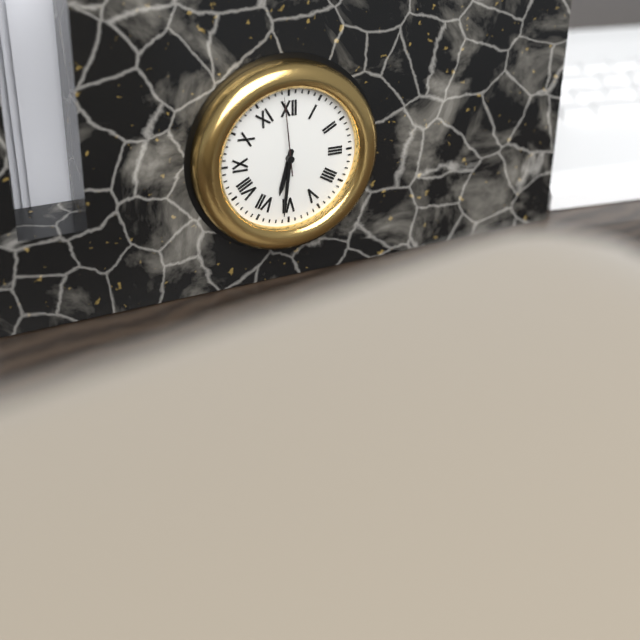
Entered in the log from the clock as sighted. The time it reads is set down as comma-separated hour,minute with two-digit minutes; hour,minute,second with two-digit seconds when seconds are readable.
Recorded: 6,31,59
